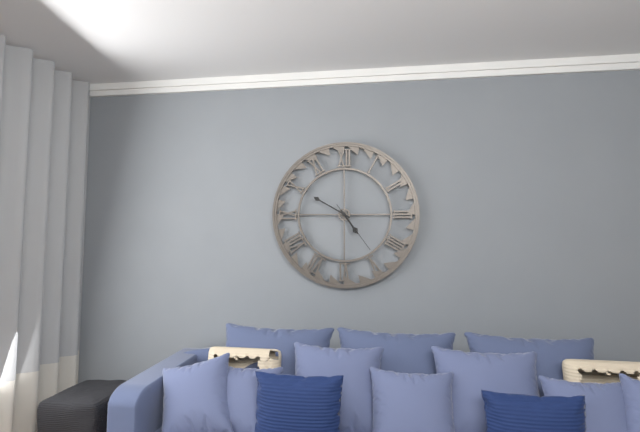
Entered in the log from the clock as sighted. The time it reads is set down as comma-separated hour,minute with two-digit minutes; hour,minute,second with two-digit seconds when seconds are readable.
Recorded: 4,50,24
